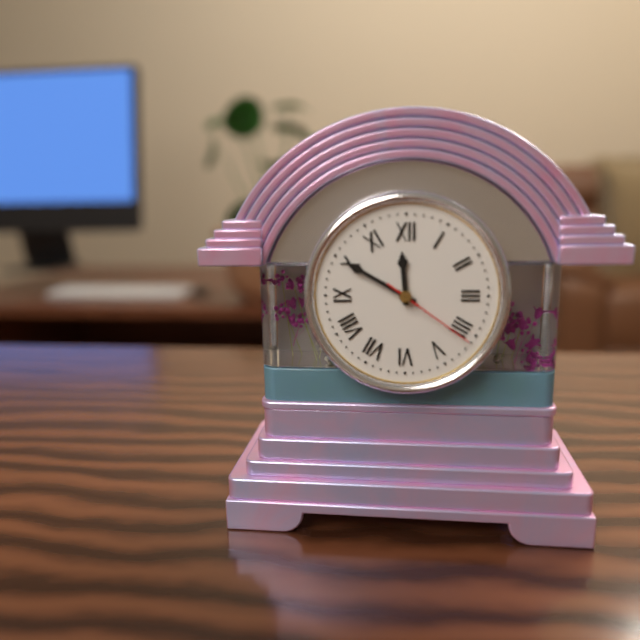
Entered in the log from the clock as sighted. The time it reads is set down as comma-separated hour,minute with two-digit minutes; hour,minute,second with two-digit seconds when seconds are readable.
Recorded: 11,50,21
